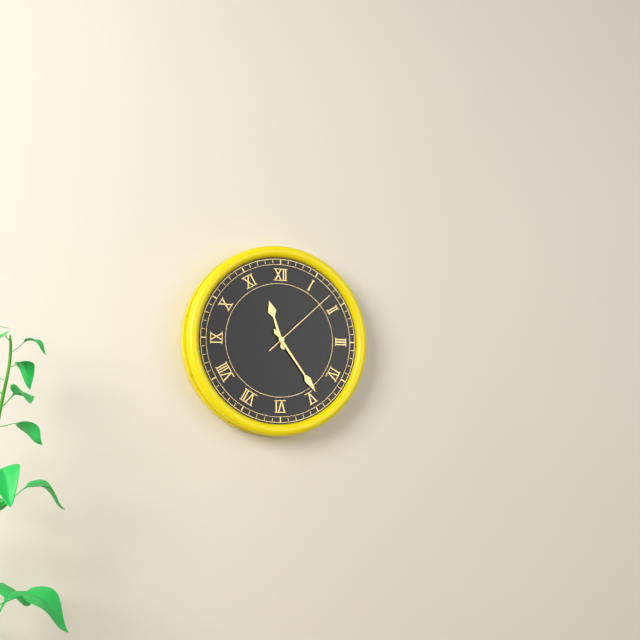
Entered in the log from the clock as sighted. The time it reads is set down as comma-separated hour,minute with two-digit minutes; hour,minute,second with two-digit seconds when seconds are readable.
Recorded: 11,24,08
